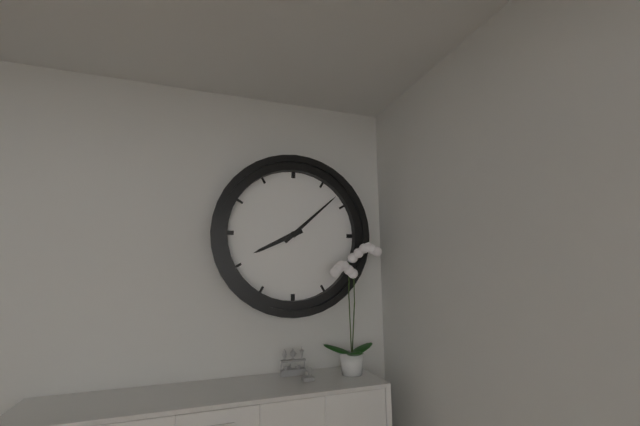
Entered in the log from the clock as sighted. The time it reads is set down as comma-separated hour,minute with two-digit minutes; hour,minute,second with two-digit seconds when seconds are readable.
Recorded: 8,08
